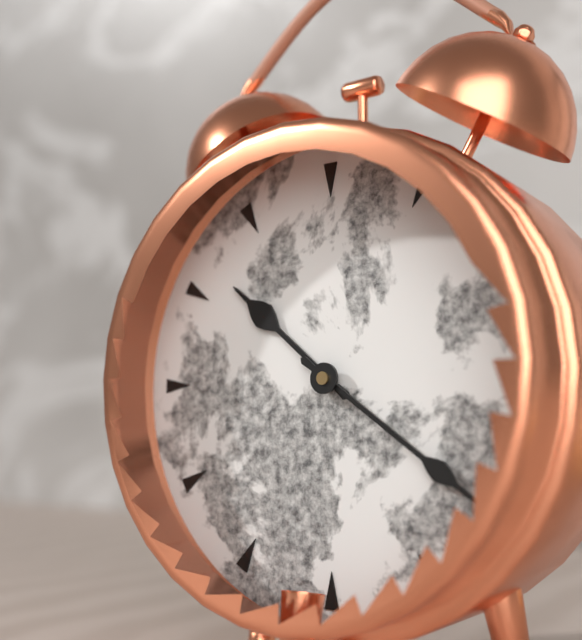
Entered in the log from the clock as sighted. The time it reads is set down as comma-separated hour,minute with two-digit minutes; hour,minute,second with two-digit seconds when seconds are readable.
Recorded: 10,21
